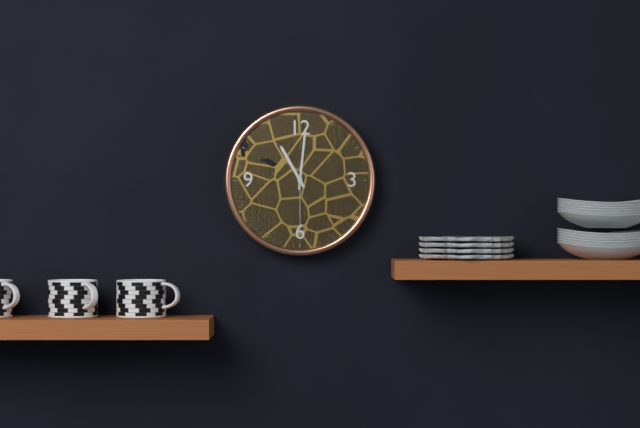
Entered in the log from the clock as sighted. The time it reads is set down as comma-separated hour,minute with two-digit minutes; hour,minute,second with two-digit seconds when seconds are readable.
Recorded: 11,01,30
